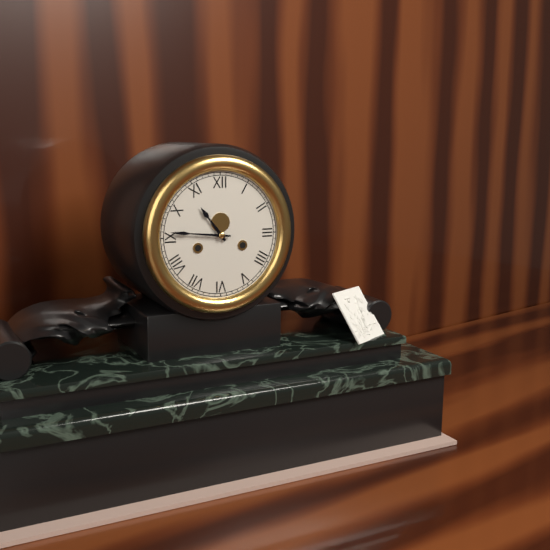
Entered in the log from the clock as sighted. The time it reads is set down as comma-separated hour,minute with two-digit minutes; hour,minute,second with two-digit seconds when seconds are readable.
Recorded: 10,46
